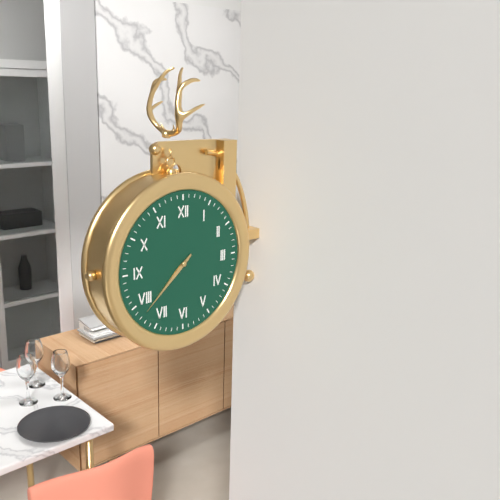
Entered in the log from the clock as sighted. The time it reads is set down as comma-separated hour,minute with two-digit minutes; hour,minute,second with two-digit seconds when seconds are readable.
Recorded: 7,38
